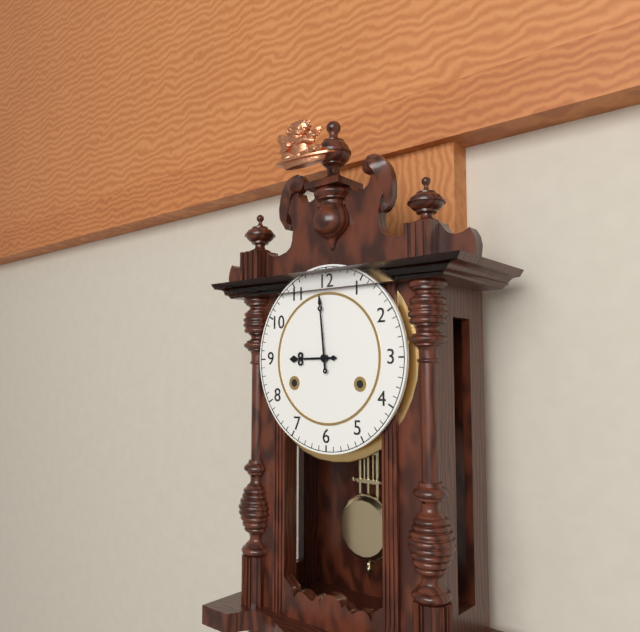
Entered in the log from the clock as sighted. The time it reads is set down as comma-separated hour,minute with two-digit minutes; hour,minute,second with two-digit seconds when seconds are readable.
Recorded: 8,59
